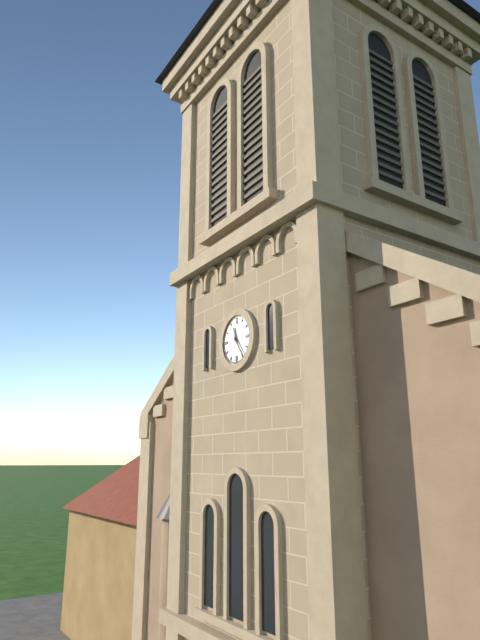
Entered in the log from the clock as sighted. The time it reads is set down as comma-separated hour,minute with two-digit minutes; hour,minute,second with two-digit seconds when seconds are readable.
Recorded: 11,24
